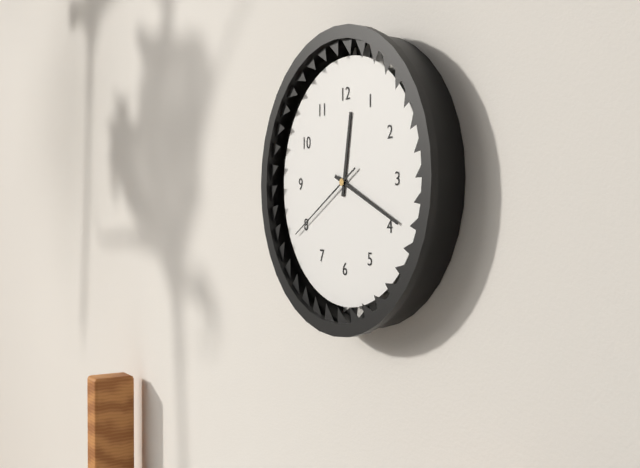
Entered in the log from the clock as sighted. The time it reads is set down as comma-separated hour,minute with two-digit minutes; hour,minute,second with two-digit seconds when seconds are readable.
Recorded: 12,19,40
